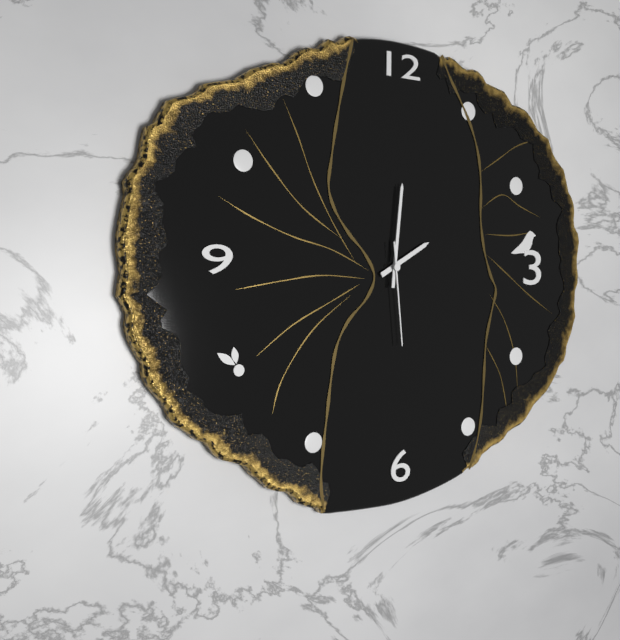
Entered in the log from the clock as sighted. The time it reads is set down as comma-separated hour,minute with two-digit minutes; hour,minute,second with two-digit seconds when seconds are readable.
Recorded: 2,01,29
